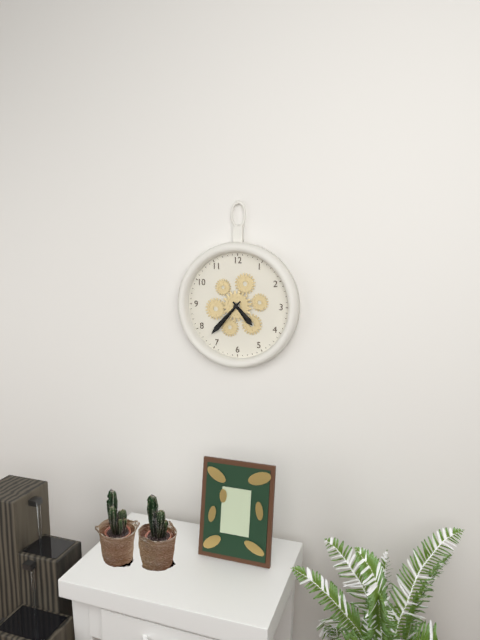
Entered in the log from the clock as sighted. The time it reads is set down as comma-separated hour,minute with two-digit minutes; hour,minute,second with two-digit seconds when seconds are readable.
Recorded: 4,37
